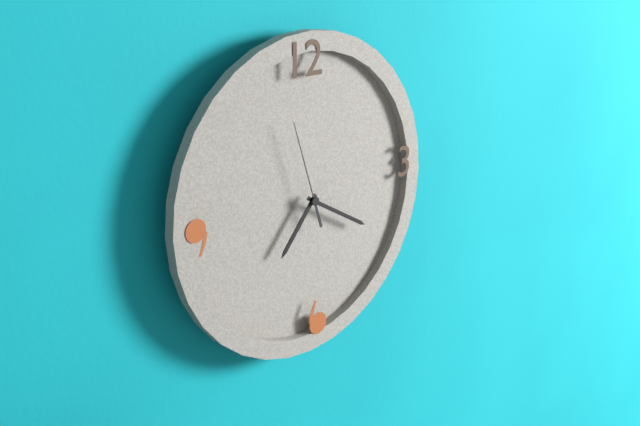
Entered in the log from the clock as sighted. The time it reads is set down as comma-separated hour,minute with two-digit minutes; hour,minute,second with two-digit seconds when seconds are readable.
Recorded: 7,20,57
